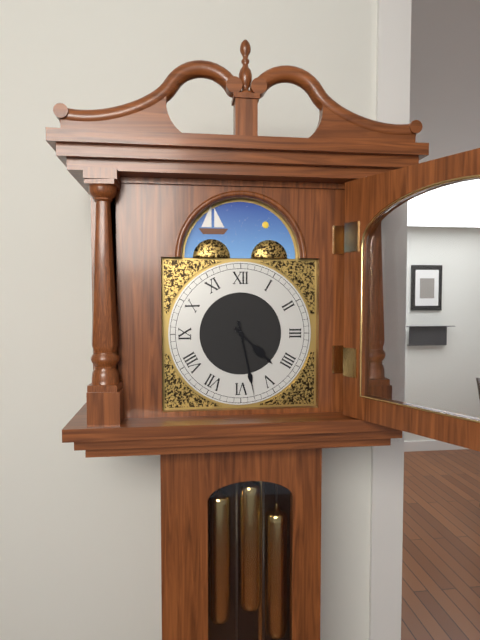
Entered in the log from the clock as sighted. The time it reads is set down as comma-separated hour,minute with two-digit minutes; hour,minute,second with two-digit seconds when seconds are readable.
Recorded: 4,28
